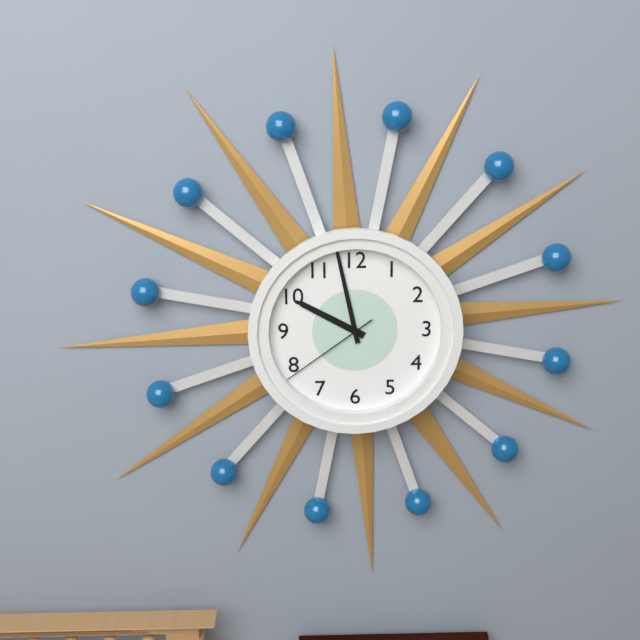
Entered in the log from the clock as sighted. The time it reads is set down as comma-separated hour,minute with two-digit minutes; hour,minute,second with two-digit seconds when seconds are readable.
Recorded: 9,58,39
